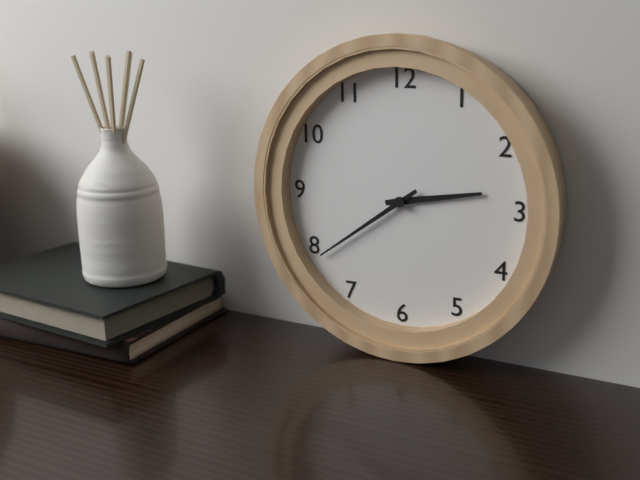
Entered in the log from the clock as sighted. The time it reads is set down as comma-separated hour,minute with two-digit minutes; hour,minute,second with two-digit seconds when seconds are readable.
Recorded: 2,39
